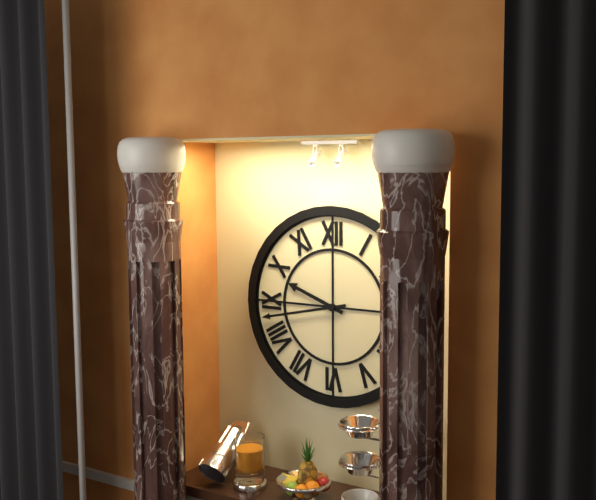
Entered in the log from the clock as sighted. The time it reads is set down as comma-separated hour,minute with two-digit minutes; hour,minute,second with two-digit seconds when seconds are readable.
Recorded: 9,43
